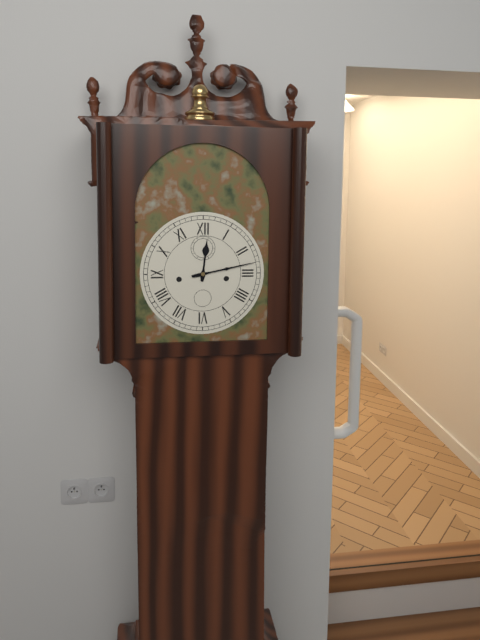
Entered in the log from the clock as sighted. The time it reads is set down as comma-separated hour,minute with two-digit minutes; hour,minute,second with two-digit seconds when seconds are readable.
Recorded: 12,13
